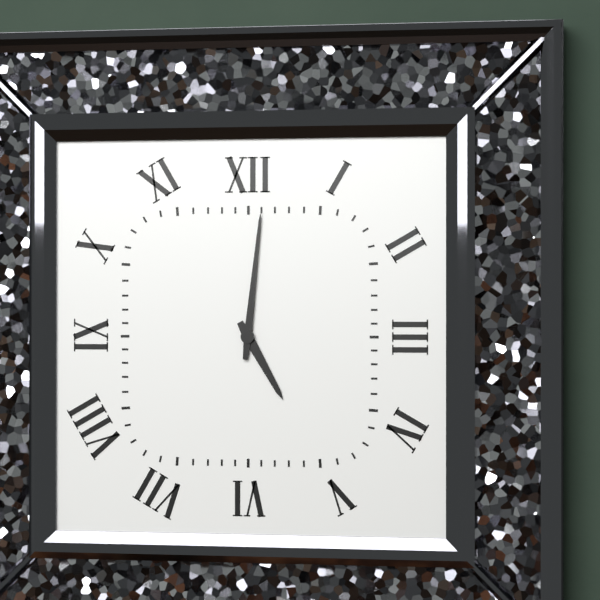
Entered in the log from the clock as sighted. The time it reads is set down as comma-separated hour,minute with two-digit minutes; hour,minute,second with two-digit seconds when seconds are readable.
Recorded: 5,01
